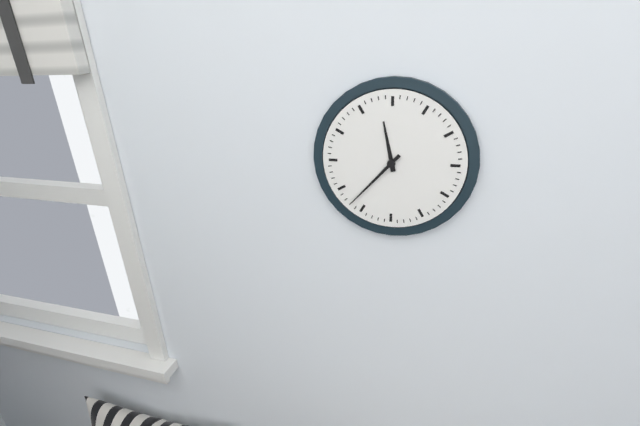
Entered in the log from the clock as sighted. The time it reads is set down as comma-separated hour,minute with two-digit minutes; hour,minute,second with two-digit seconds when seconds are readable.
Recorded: 11,37
